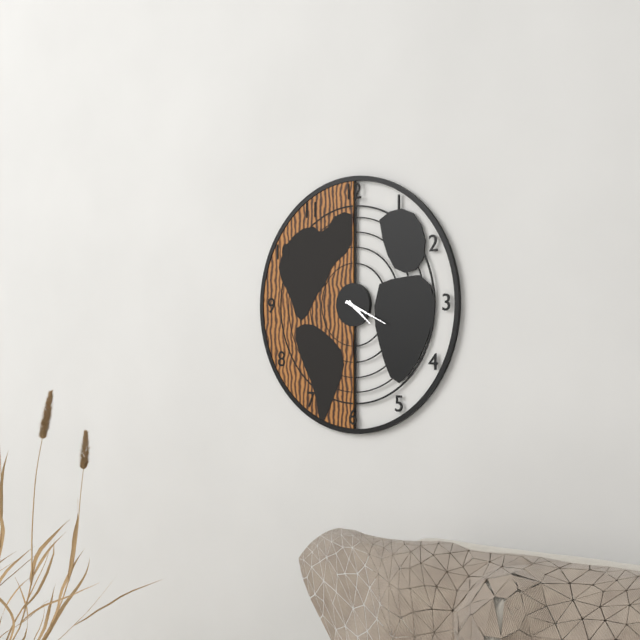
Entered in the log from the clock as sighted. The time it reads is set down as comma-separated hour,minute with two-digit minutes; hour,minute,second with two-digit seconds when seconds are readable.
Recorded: 4,19
